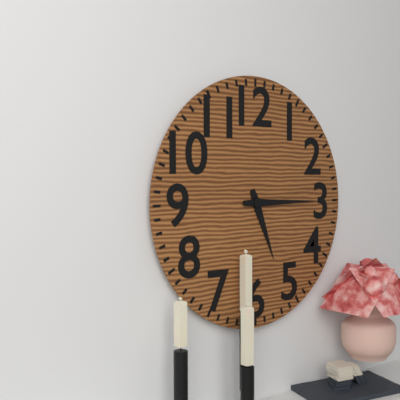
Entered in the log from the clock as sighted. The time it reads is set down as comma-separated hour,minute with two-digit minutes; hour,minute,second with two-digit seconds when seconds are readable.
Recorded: 5,15
